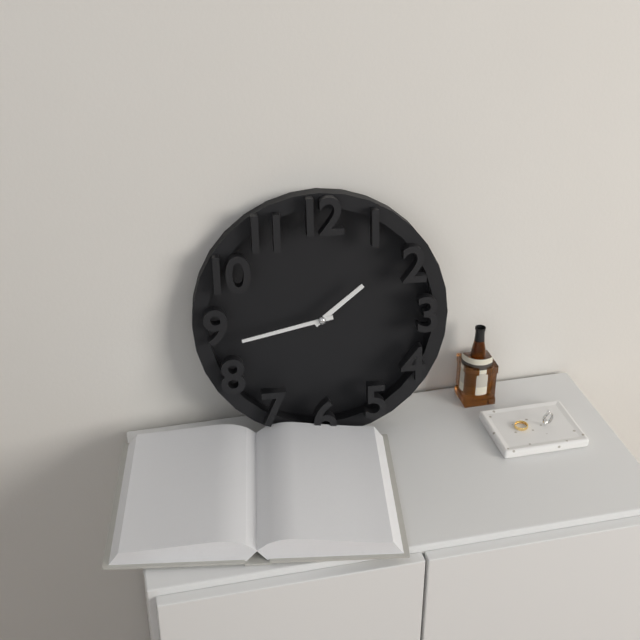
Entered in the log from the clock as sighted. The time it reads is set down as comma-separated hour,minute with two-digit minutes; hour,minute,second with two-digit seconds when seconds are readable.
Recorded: 1,43
